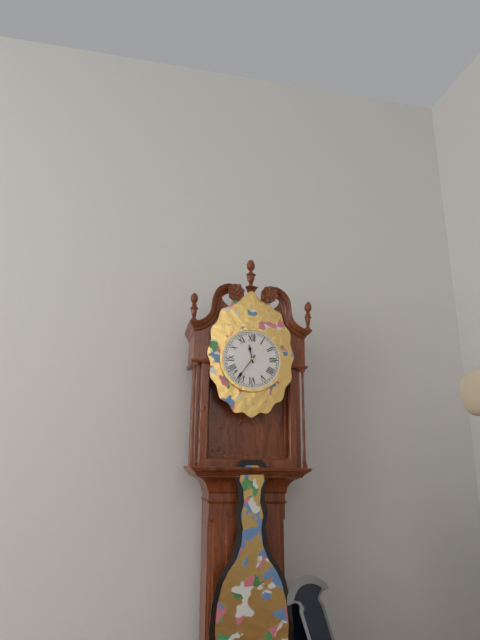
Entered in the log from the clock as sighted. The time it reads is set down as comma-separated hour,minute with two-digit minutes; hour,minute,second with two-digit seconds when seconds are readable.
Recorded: 11,36
